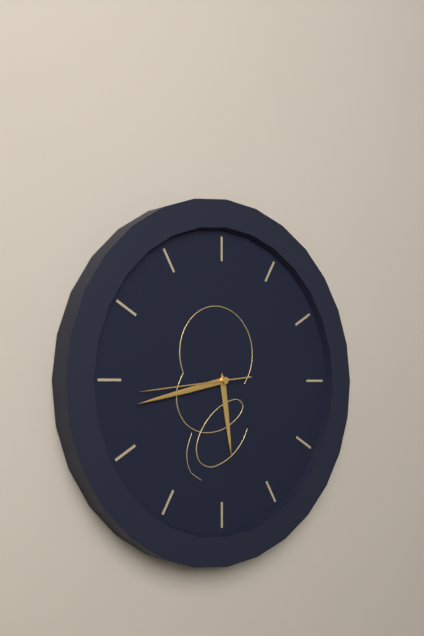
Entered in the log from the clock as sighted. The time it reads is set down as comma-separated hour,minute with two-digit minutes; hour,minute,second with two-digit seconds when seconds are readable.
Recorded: 5,43,44
